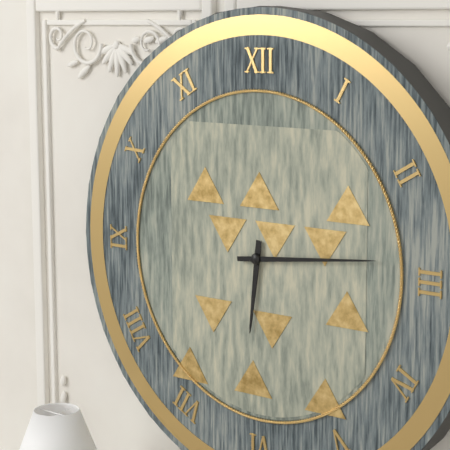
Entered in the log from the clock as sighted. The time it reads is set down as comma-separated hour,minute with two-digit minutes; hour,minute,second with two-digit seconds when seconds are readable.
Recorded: 6,14
